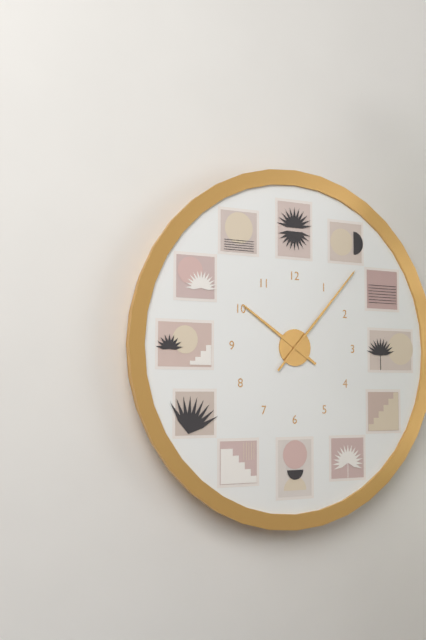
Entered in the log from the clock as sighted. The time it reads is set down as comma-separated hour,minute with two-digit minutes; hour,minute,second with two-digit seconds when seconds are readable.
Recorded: 10,07
